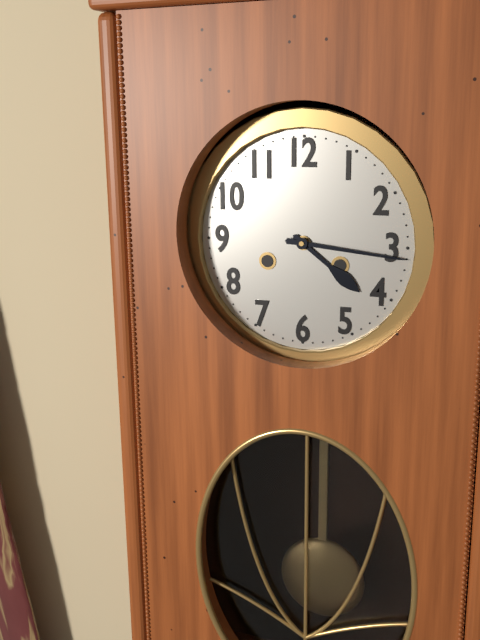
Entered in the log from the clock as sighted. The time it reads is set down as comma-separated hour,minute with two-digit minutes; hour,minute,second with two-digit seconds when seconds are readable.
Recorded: 4,16
